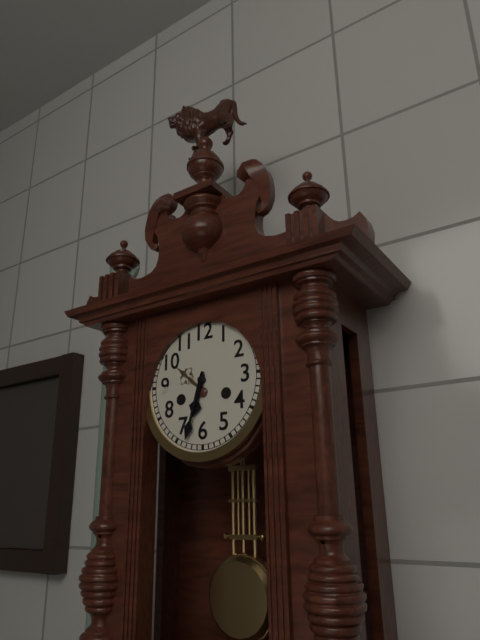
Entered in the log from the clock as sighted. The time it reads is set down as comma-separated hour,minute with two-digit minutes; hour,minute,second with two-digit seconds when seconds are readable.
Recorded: 6,33
